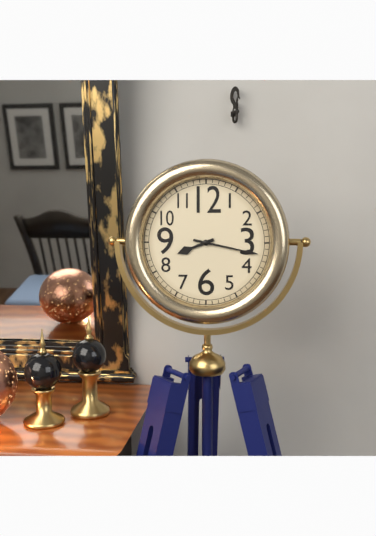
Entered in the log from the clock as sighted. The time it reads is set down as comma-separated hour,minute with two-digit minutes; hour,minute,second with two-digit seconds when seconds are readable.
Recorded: 8,17
